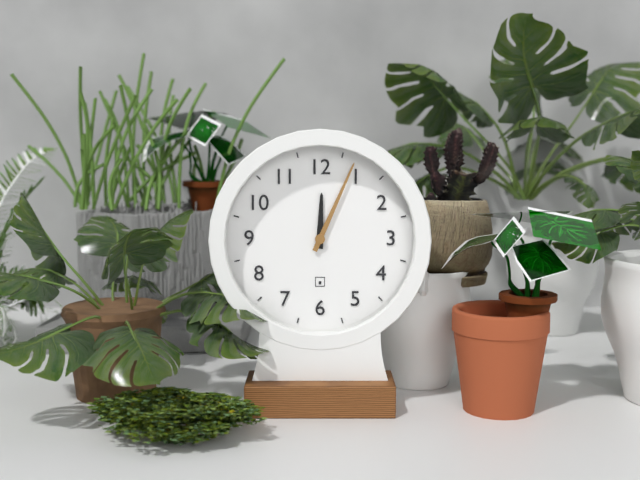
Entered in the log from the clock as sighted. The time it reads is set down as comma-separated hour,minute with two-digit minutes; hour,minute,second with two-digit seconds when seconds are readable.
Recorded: 12,04
